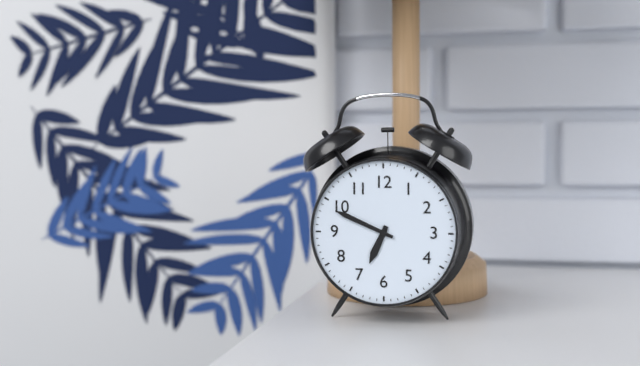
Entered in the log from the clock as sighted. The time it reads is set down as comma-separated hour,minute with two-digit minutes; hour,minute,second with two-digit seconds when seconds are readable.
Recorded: 6,49
